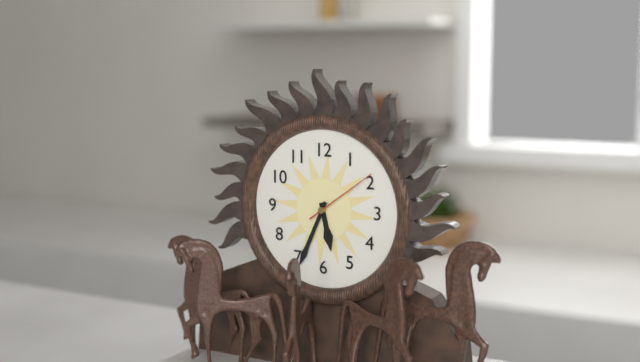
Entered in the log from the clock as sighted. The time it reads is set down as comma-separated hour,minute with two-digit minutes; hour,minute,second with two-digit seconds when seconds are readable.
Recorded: 5,34,09
